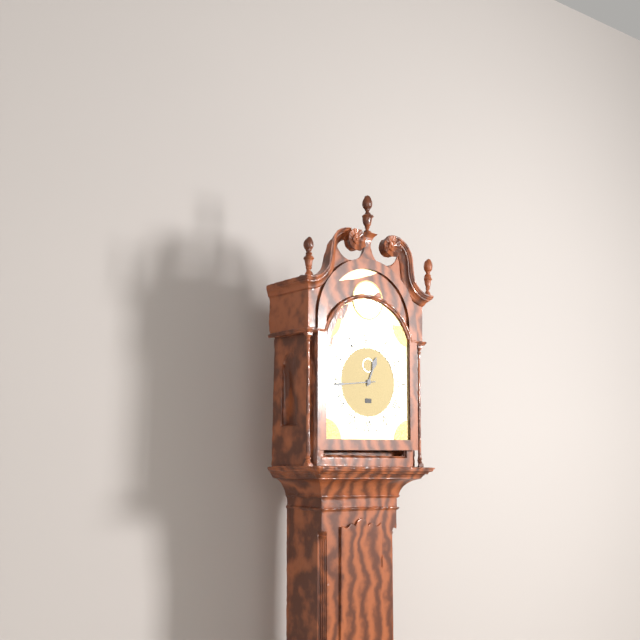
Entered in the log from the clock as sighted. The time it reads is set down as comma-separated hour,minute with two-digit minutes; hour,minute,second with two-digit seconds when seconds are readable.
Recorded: 12,44
